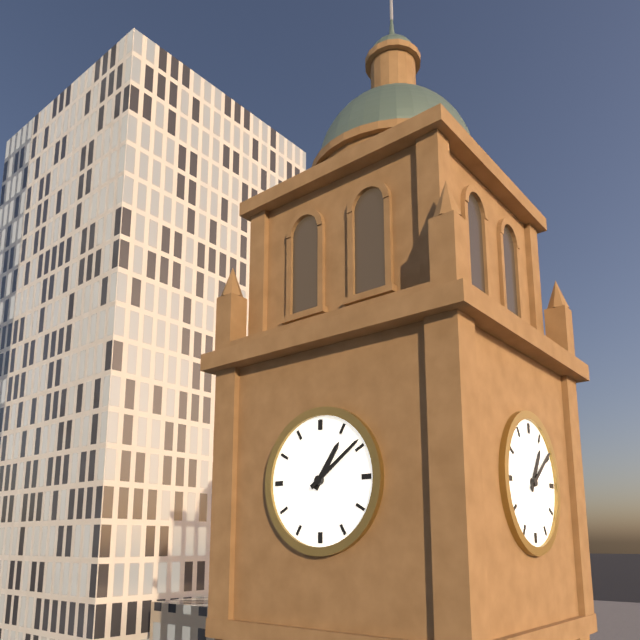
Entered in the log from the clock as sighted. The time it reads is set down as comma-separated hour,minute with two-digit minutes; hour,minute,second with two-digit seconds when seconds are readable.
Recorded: 1,09
